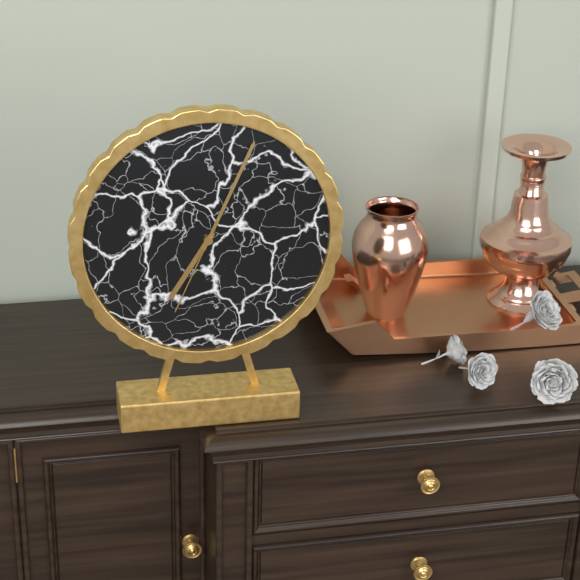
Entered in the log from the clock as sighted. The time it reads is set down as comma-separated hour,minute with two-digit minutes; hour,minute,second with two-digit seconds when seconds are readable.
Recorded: 7,04,34
